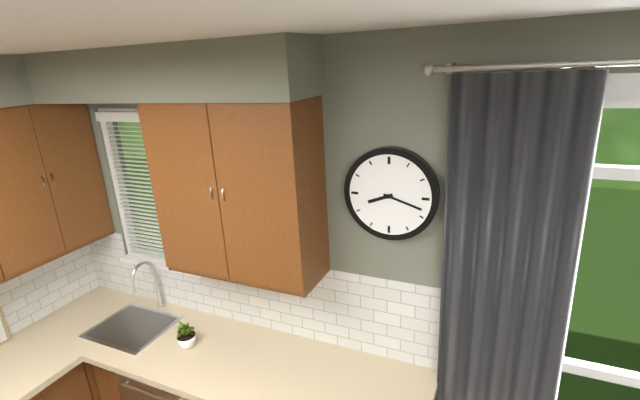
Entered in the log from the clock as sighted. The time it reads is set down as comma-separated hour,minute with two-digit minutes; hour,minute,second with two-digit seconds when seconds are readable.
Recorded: 8,18
